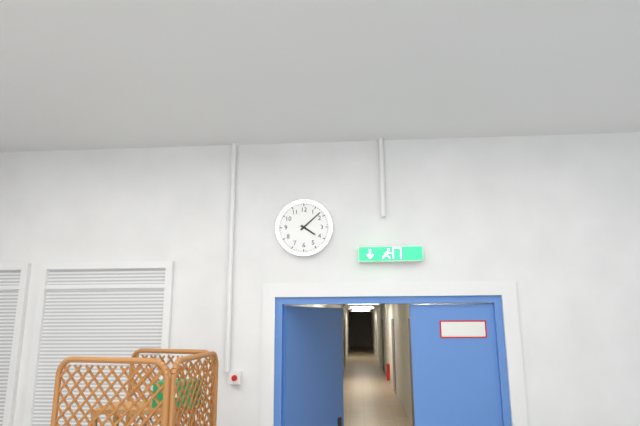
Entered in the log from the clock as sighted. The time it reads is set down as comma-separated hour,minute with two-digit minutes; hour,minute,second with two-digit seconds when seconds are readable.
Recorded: 4,08
